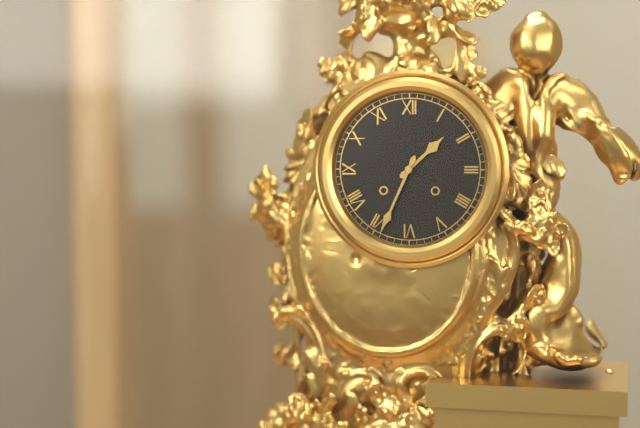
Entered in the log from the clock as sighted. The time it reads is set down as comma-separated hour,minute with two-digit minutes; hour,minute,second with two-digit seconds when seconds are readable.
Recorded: 1,34
